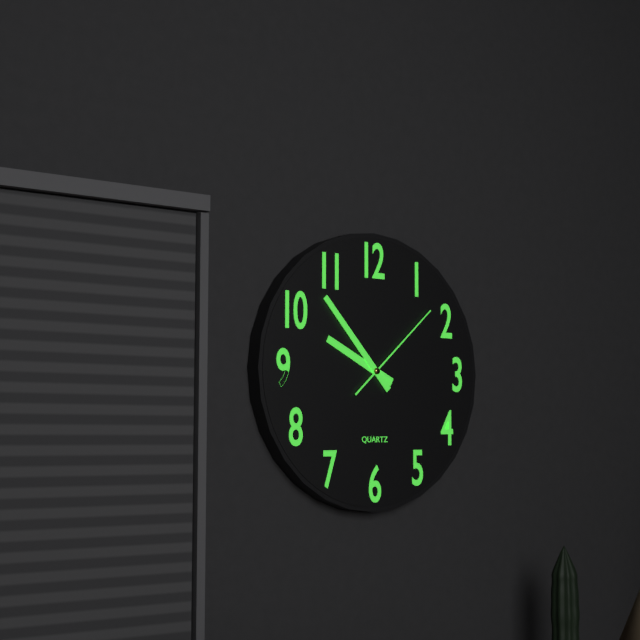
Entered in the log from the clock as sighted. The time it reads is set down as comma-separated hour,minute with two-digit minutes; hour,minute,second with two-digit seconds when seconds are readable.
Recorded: 9,53,08
